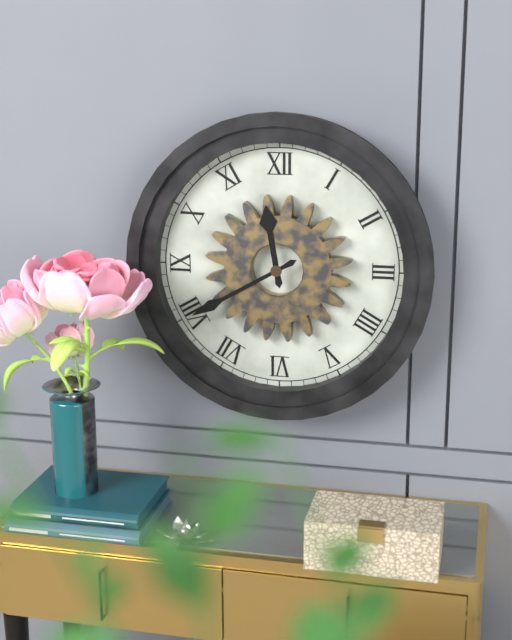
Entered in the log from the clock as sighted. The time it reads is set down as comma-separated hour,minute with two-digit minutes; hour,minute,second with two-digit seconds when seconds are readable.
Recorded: 11,40
